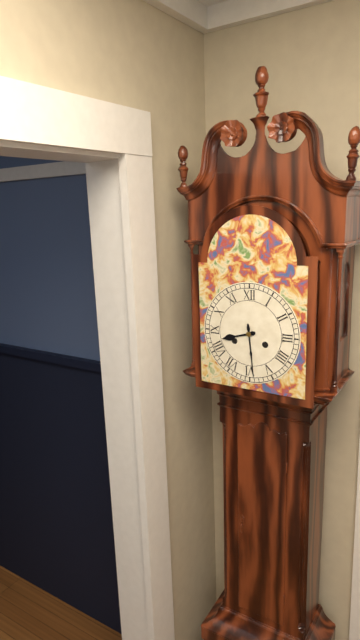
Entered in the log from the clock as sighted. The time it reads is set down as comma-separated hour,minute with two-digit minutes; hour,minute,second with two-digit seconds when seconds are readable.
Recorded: 8,29
